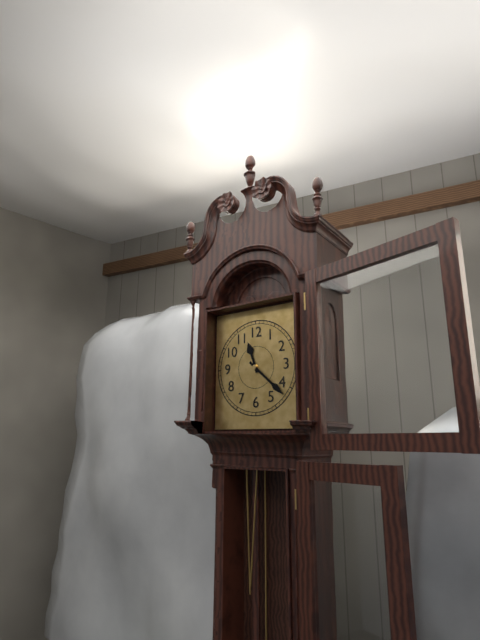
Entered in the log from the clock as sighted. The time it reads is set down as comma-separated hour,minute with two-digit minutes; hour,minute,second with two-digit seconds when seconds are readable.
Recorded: 11,22
